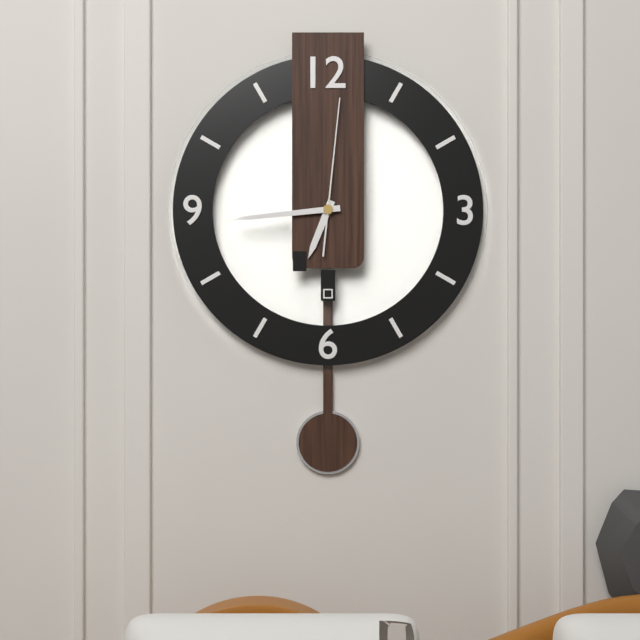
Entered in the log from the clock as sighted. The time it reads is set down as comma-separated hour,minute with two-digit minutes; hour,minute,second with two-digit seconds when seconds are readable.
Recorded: 6,44,01
